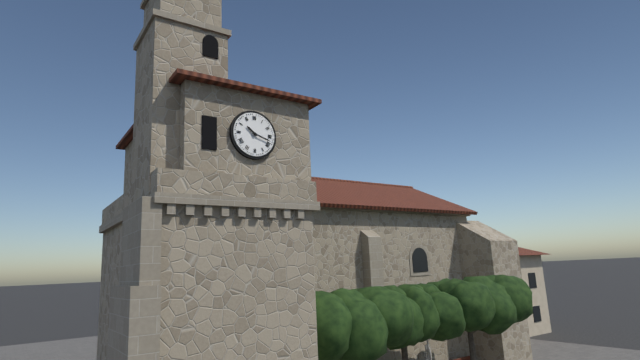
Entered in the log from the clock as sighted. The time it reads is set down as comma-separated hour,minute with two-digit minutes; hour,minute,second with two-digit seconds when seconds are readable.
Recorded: 10,18
